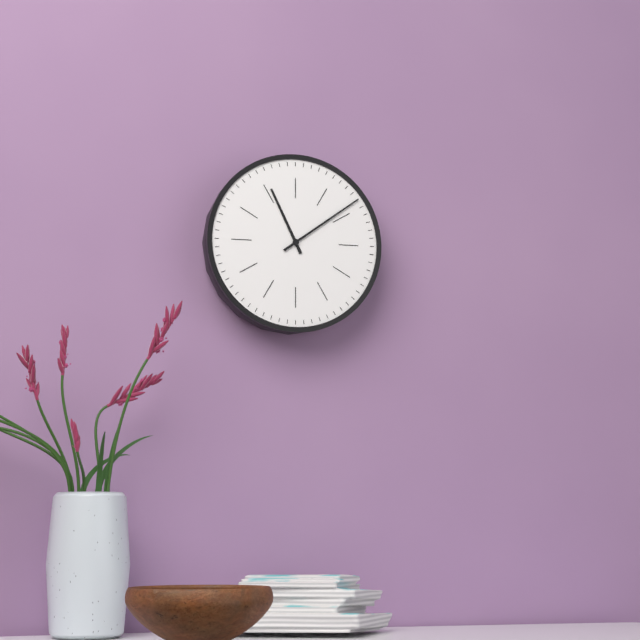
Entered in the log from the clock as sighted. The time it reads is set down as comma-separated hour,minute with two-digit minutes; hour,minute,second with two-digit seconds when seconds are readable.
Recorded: 11,09
